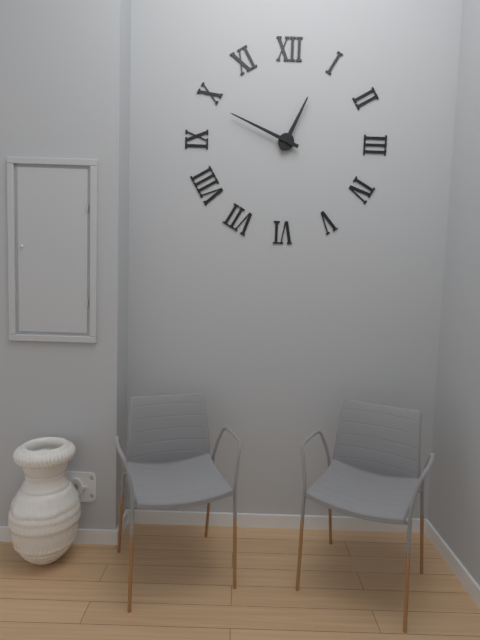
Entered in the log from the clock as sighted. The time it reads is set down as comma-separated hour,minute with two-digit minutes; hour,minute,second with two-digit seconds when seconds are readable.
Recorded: 12,49
